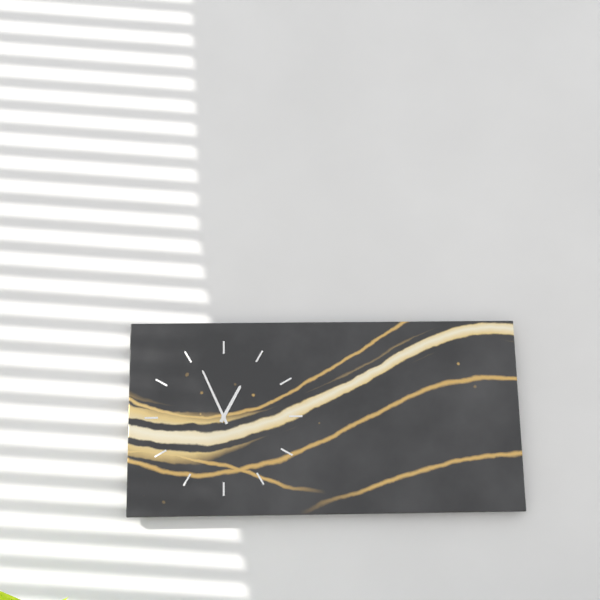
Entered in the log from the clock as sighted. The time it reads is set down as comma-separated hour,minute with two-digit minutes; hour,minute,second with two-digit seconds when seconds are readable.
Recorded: 12,56
